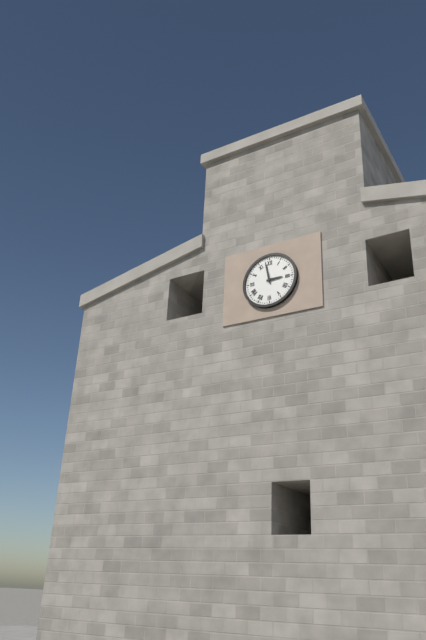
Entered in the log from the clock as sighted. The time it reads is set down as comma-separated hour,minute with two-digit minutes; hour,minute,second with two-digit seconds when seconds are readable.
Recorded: 2,58
